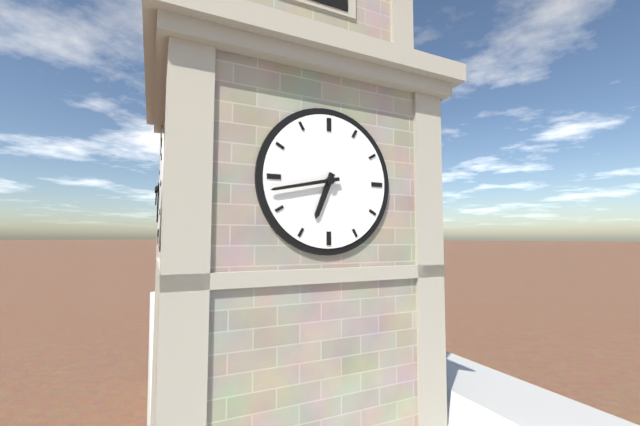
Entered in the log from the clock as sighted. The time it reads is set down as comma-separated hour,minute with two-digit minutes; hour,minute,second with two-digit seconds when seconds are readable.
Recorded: 6,43
